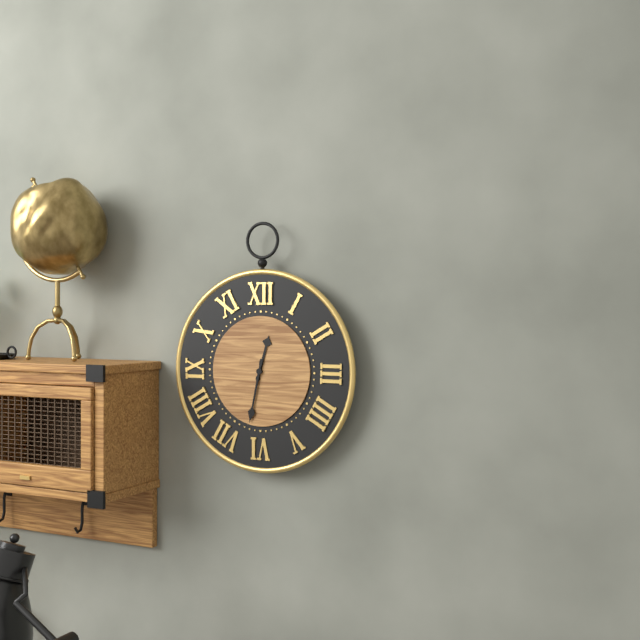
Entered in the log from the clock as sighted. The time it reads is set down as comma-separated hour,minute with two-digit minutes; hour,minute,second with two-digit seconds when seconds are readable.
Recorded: 12,32
